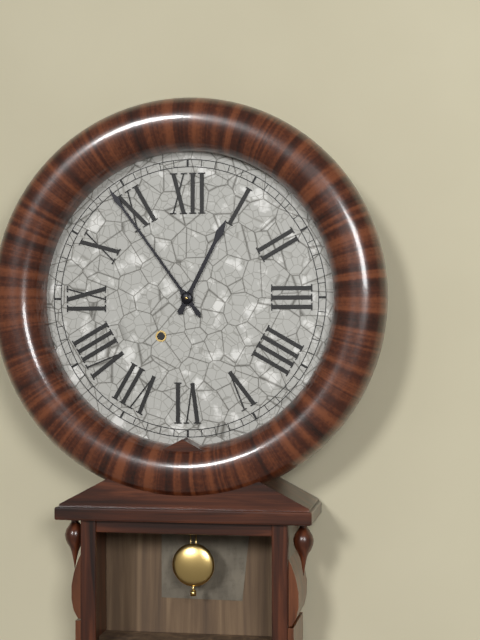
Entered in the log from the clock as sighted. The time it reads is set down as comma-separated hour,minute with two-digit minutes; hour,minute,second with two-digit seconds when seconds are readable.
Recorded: 12,54
